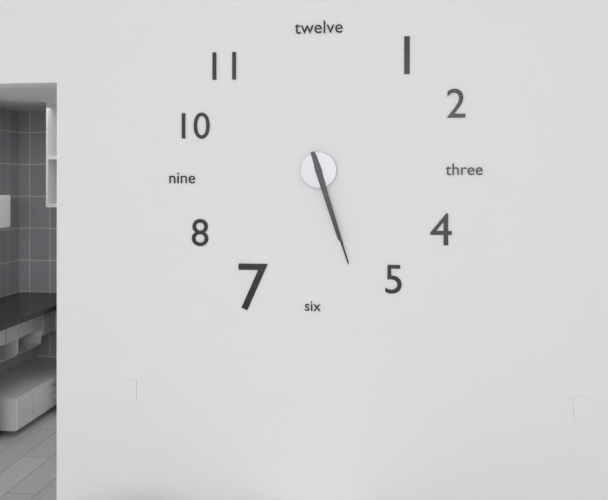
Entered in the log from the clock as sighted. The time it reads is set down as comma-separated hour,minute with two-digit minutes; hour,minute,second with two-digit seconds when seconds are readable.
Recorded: 5,27
